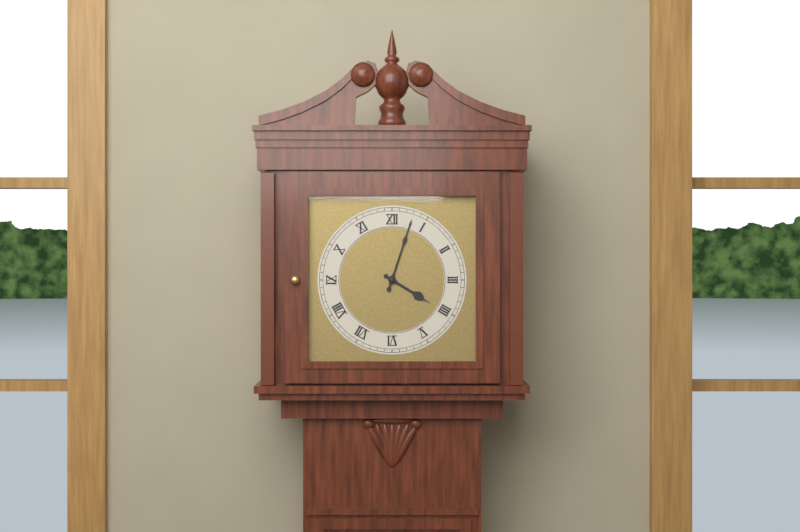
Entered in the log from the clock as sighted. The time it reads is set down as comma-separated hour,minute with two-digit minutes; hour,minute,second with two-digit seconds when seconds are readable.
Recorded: 4,03
